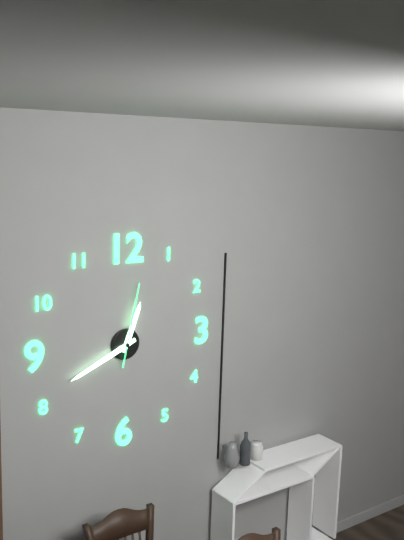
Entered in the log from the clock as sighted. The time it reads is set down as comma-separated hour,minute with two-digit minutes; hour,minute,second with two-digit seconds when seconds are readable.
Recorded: 12,41,02
